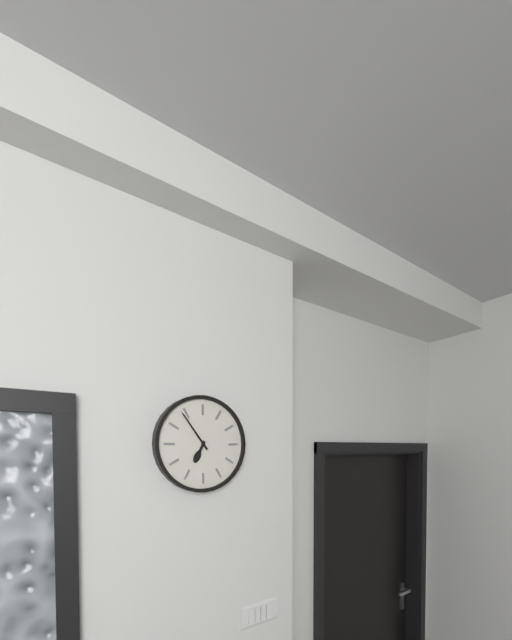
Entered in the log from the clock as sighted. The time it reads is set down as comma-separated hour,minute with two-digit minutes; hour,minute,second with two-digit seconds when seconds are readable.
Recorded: 6,54
